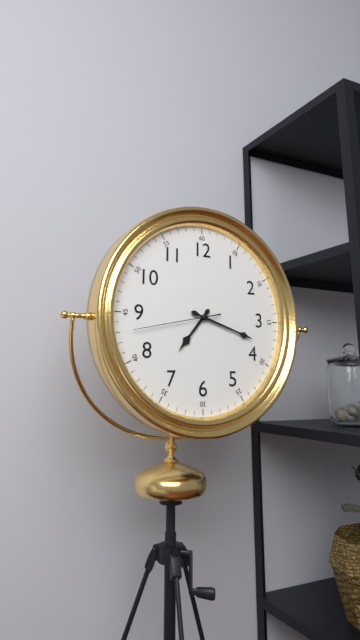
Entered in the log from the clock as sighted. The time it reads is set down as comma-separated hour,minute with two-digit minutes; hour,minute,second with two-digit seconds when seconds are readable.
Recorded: 7,18,43
